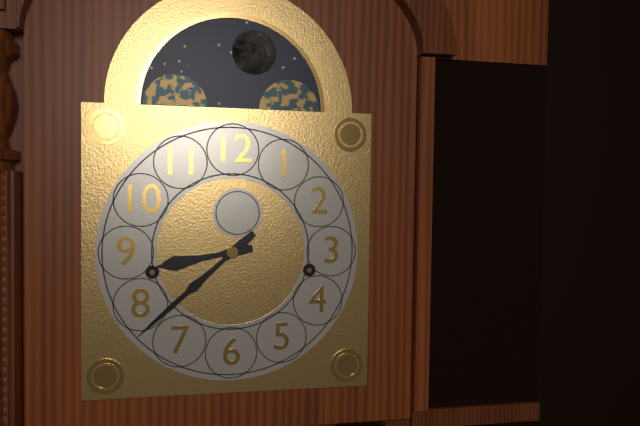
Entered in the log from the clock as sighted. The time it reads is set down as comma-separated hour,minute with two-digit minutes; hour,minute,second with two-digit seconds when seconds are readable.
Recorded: 8,38
